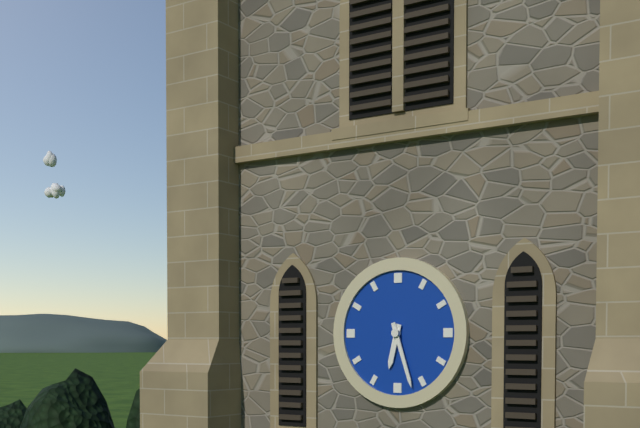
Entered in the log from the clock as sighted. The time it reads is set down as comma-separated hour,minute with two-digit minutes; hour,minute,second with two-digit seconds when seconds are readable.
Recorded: 6,27
